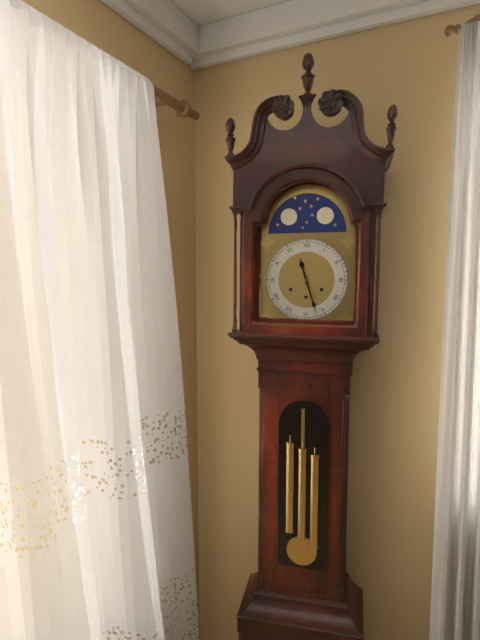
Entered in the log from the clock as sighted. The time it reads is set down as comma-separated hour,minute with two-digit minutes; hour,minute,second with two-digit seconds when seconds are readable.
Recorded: 11,27
